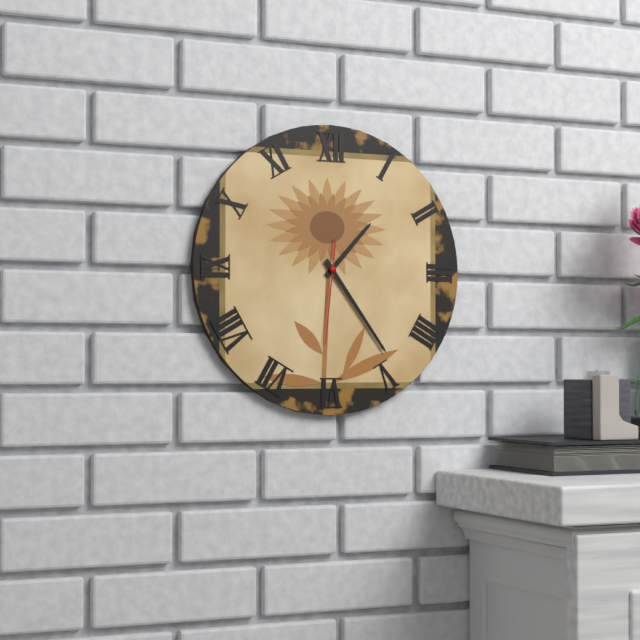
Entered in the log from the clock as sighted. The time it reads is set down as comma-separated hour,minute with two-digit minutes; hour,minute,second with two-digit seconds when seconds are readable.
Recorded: 1,24,31
